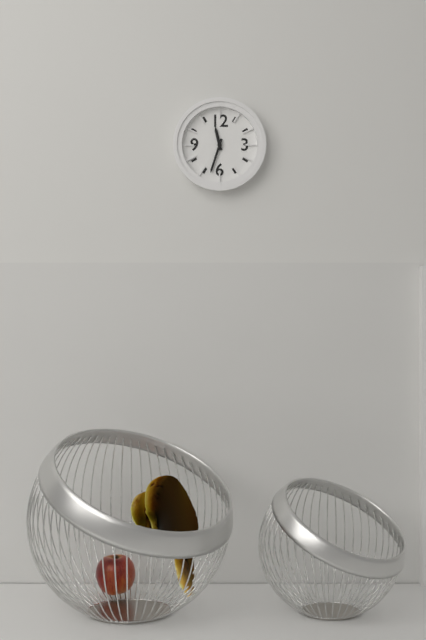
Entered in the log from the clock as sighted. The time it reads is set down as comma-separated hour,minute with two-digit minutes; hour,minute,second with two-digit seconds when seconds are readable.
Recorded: 11,33
